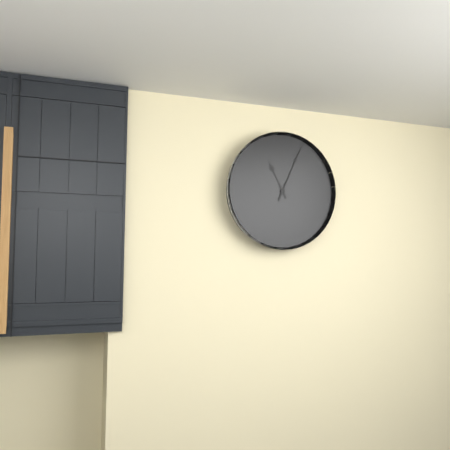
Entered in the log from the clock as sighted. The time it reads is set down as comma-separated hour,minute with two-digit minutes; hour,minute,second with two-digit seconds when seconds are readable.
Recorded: 11,04
